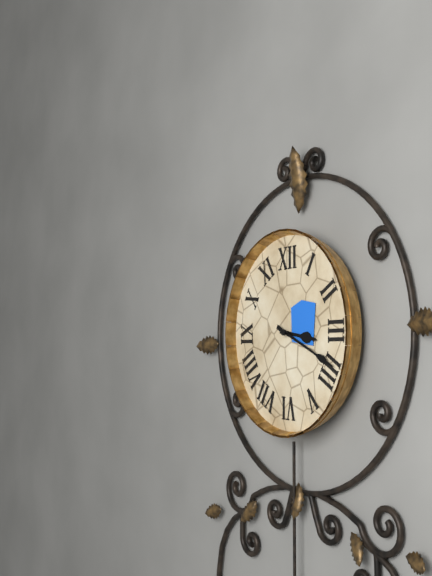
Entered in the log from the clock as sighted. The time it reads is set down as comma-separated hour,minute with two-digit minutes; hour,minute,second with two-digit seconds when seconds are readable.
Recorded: 3,19
